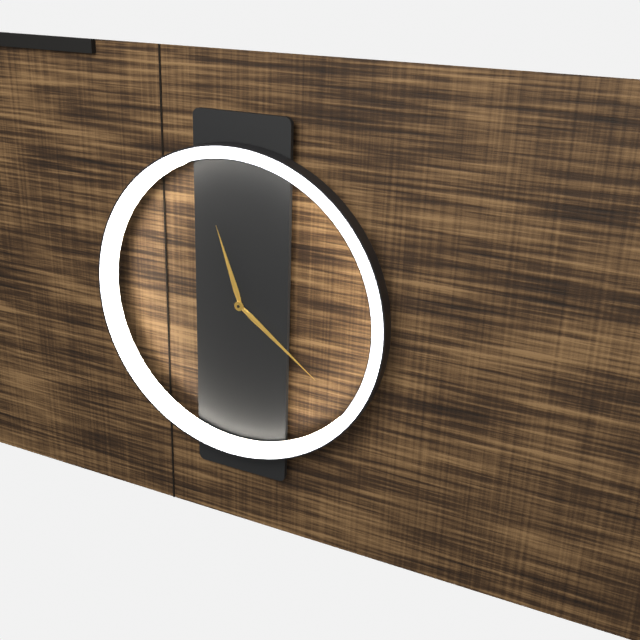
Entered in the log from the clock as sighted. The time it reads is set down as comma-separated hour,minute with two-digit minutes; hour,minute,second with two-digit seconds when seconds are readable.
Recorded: 11,21
